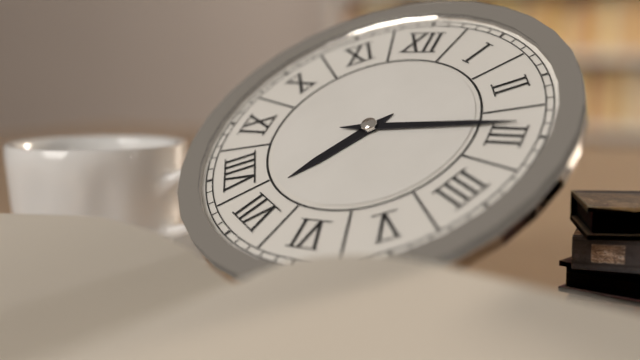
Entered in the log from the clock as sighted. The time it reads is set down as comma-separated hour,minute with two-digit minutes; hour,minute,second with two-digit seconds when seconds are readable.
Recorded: 7,14
